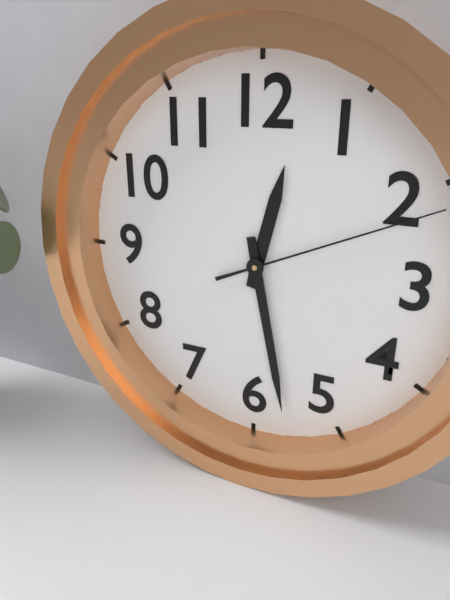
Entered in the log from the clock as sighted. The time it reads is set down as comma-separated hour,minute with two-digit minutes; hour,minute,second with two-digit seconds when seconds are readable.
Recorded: 12,28,11
